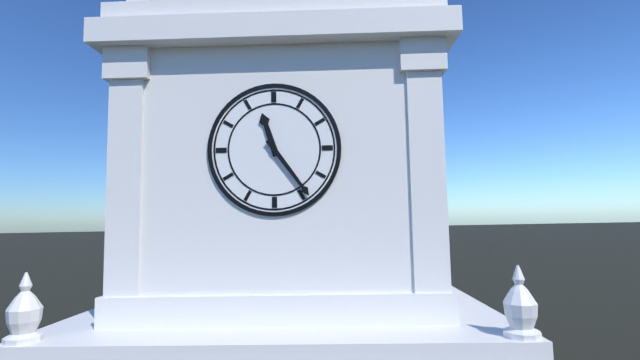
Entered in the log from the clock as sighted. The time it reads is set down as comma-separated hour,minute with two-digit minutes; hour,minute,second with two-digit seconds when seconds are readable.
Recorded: 11,24
